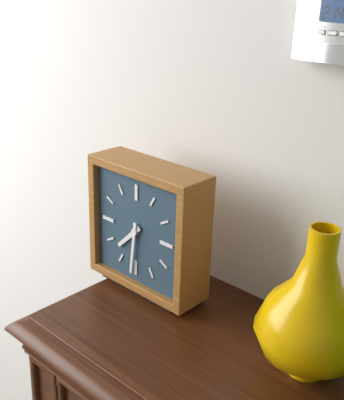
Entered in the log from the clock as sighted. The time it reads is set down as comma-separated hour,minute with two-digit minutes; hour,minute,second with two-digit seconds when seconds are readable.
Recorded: 7,31
